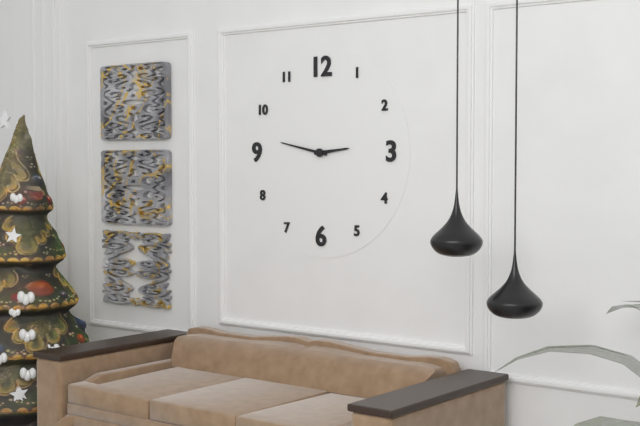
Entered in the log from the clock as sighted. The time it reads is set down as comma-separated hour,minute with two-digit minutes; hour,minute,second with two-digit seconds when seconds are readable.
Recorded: 2,47
